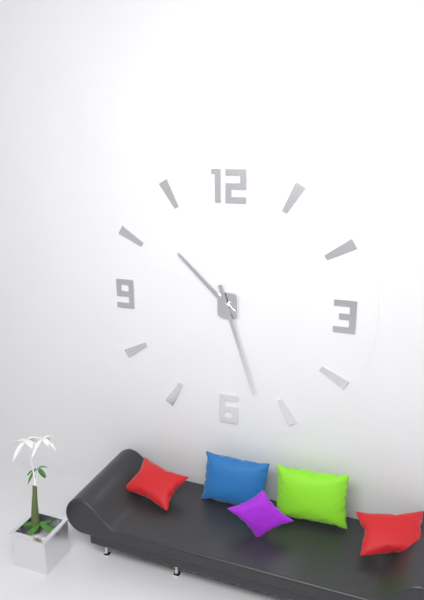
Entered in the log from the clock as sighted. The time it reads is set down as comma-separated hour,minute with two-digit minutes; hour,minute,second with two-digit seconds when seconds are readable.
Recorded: 10,27
